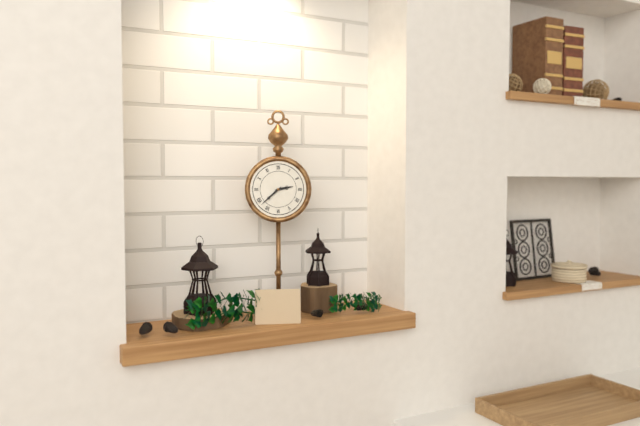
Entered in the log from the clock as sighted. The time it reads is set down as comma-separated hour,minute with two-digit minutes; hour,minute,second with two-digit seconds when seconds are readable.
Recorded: 2,38
